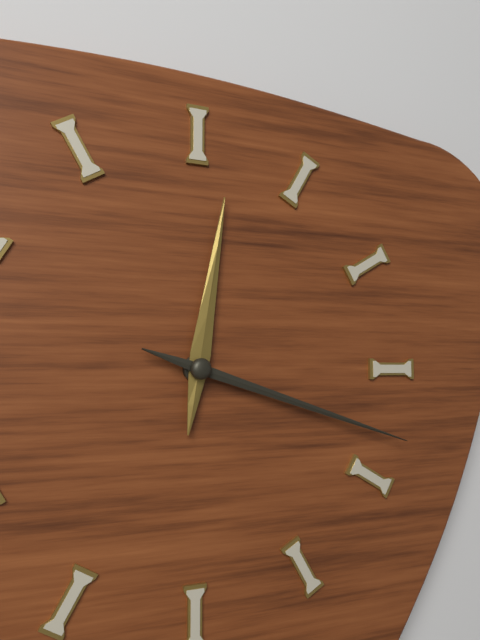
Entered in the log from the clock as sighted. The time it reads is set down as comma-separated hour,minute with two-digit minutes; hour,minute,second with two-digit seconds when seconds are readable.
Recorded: 12,18
